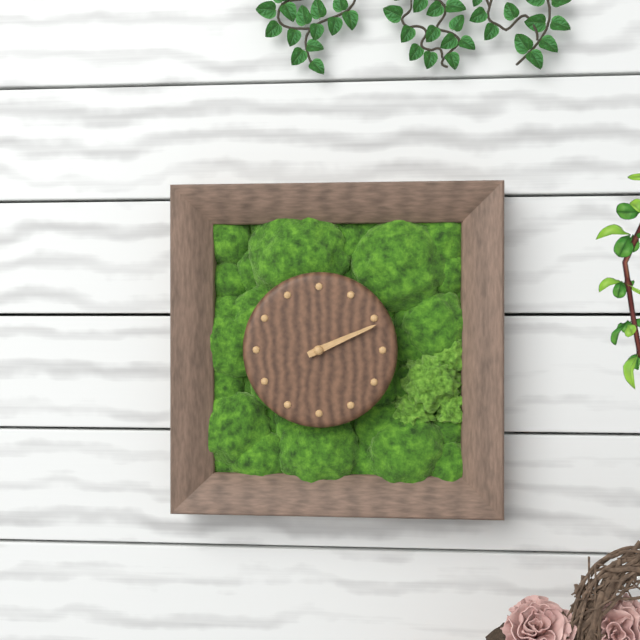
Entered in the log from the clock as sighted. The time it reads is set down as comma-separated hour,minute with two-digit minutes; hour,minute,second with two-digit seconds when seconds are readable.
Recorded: 2,11
